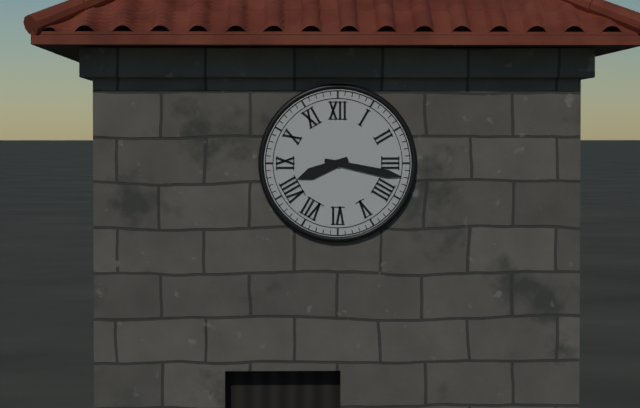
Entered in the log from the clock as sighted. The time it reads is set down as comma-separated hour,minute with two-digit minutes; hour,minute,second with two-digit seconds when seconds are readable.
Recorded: 8,17
